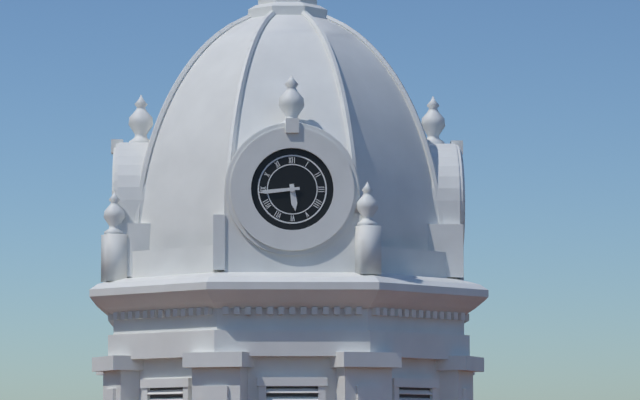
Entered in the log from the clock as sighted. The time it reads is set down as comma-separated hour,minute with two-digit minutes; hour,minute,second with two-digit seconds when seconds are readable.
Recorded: 5,44
